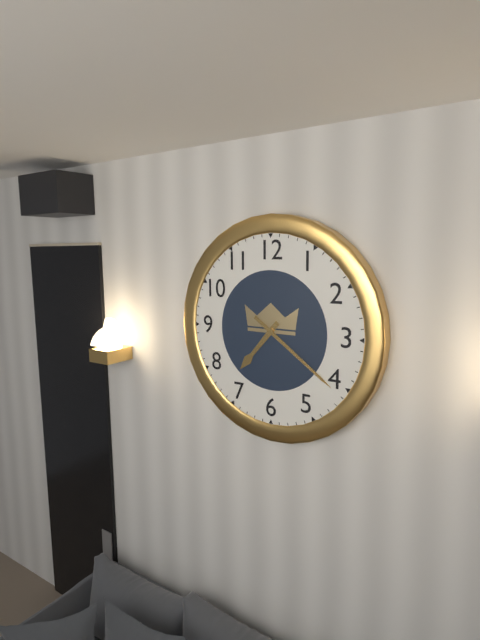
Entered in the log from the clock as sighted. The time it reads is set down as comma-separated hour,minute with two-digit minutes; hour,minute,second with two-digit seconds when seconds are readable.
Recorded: 7,21
